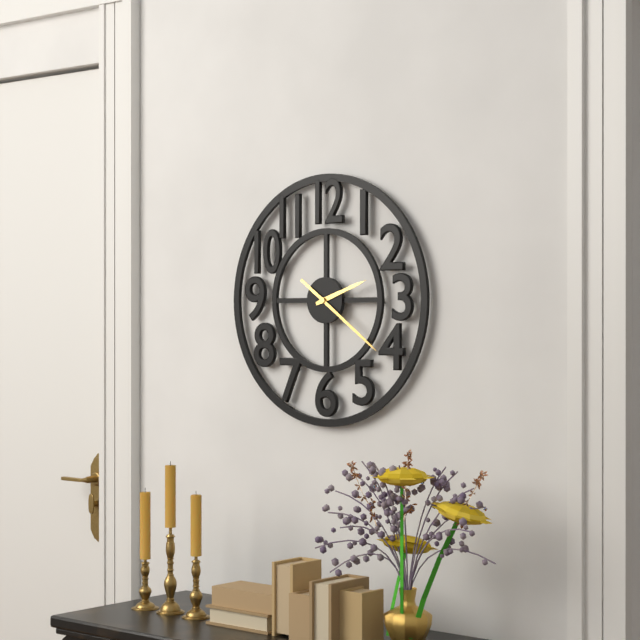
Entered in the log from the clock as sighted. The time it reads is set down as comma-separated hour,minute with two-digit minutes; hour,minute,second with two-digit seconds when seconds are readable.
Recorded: 2,21
